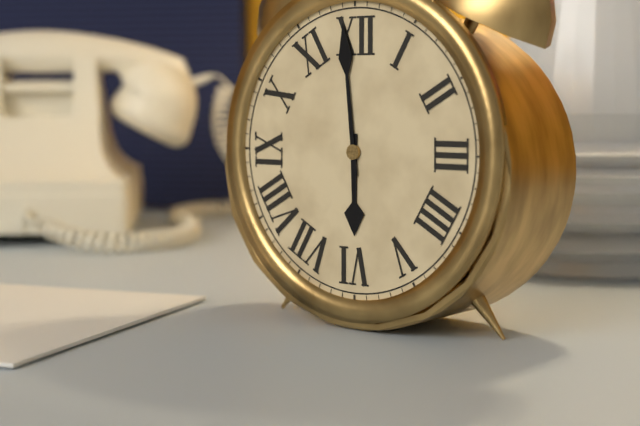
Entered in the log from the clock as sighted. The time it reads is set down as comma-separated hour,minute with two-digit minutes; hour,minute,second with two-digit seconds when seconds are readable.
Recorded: 5,59
